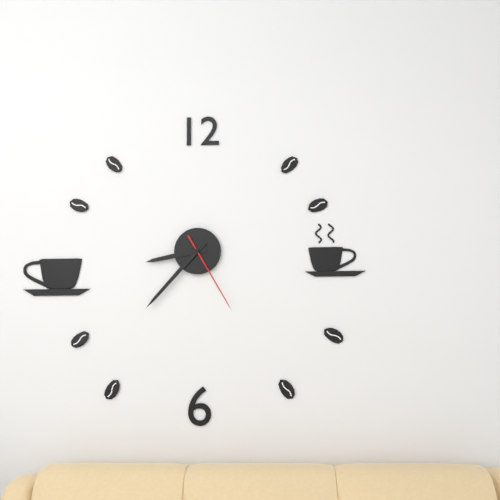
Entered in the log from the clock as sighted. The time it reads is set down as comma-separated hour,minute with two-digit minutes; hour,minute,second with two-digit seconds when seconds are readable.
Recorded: 8,37,25
